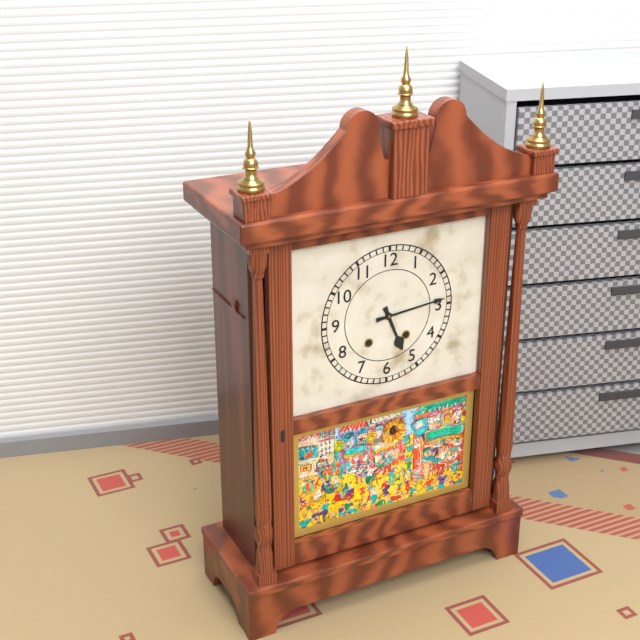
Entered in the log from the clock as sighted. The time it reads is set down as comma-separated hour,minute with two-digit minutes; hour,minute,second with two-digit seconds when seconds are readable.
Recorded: 5,14
